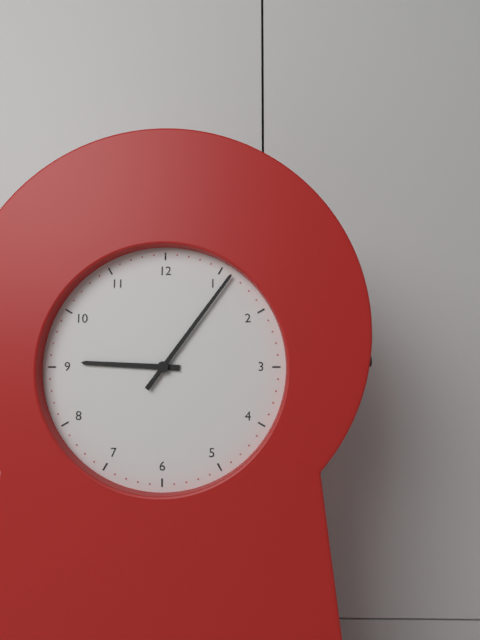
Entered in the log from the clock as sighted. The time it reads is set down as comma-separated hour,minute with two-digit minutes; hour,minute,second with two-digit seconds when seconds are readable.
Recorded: 9,06
